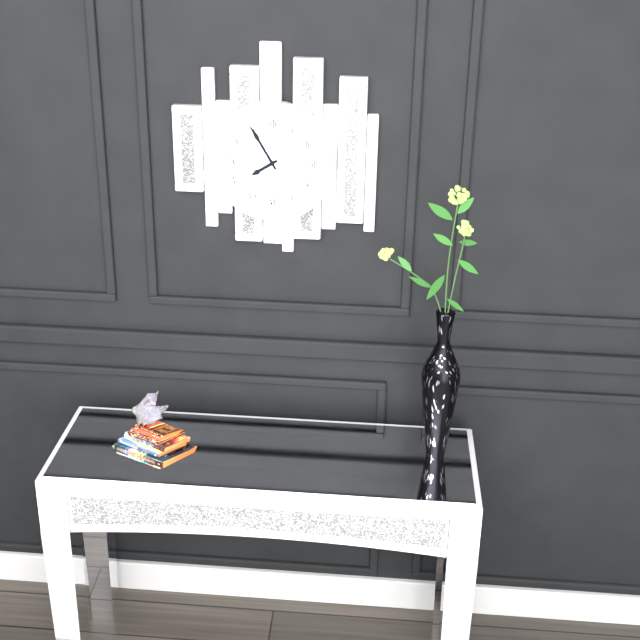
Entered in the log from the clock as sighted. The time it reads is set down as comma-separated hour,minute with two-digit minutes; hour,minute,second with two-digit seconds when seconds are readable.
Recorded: 7,55
